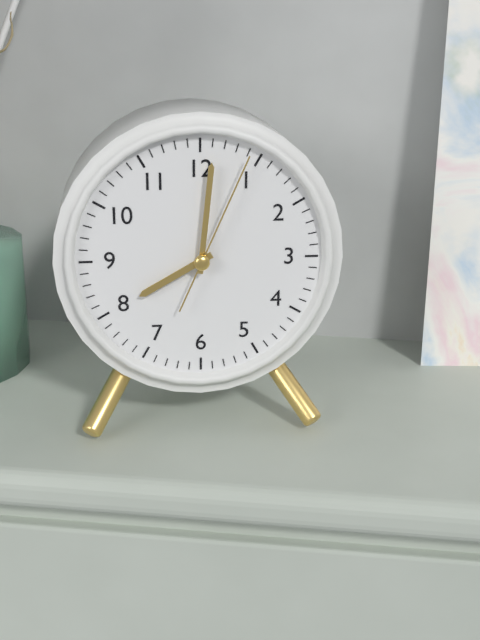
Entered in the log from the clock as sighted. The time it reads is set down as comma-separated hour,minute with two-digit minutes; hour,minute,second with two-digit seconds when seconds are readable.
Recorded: 8,01,04
